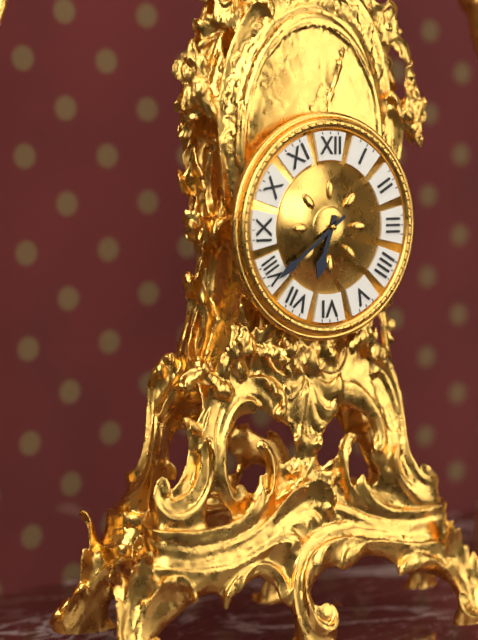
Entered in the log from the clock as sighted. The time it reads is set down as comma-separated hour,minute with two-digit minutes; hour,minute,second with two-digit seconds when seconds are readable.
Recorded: 6,39
